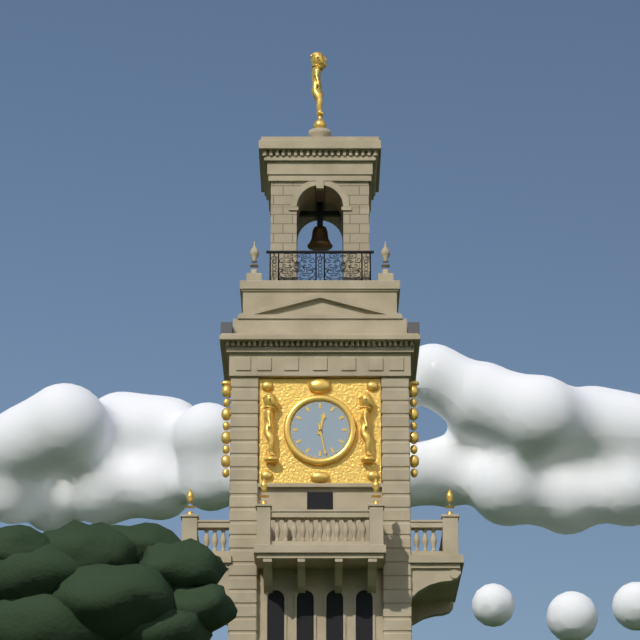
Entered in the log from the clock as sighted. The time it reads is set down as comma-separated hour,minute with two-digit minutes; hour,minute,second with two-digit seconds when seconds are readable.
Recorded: 12,28
